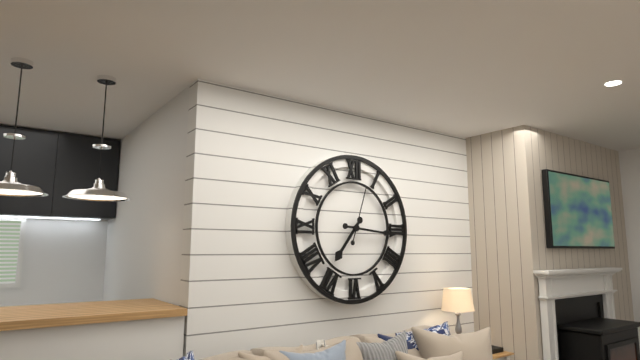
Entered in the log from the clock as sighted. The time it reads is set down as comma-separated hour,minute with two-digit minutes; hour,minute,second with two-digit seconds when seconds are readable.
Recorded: 7,16,03
